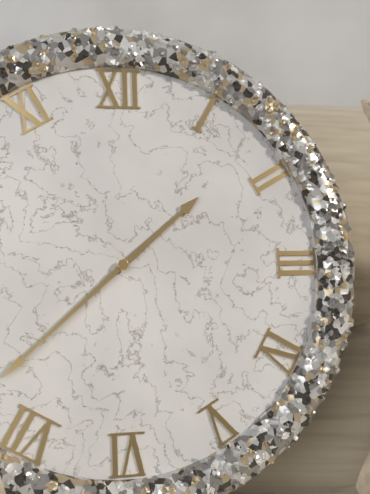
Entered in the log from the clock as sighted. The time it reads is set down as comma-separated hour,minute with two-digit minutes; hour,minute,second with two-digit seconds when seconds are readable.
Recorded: 1,38
